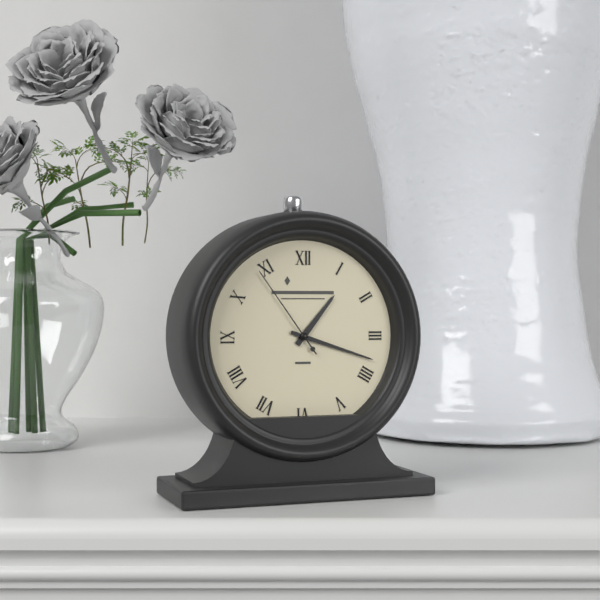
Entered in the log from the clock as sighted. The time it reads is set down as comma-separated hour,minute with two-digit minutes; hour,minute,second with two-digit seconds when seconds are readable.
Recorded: 1,18,54
